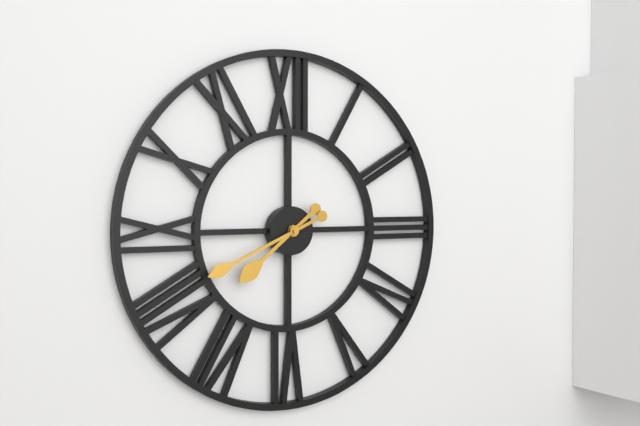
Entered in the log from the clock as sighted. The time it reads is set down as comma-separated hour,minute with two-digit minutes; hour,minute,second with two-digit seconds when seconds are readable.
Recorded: 7,41
